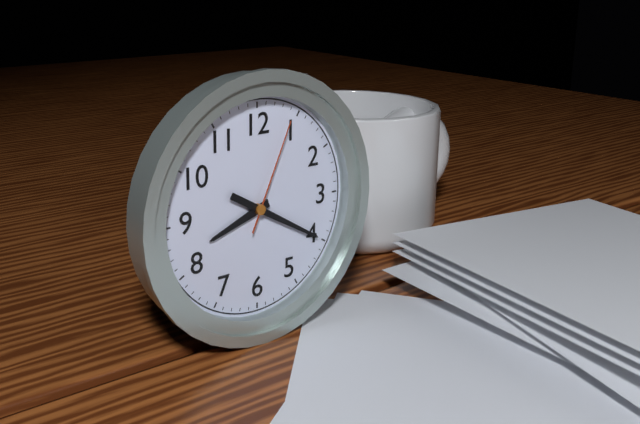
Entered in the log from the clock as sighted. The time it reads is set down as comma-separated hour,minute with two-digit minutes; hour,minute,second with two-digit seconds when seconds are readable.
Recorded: 8,20,04
